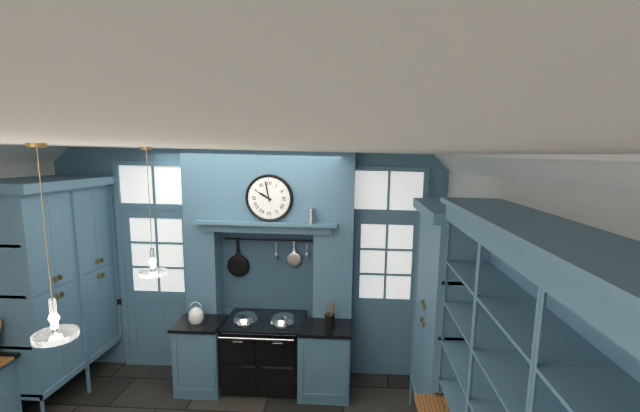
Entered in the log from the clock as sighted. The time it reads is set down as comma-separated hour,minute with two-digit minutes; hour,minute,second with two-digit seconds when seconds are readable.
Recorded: 9,58
